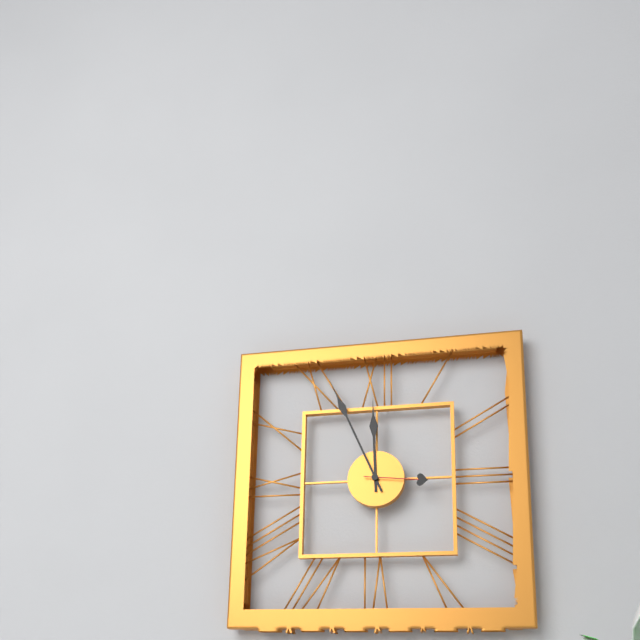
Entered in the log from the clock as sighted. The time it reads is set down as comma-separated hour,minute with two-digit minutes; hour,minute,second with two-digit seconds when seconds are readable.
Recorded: 11,56,16
